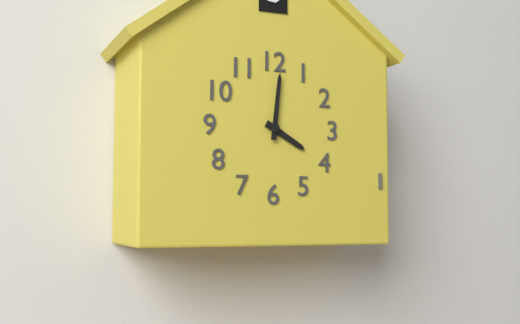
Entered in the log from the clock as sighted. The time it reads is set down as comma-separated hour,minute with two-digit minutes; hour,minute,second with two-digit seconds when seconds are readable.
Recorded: 4,01
